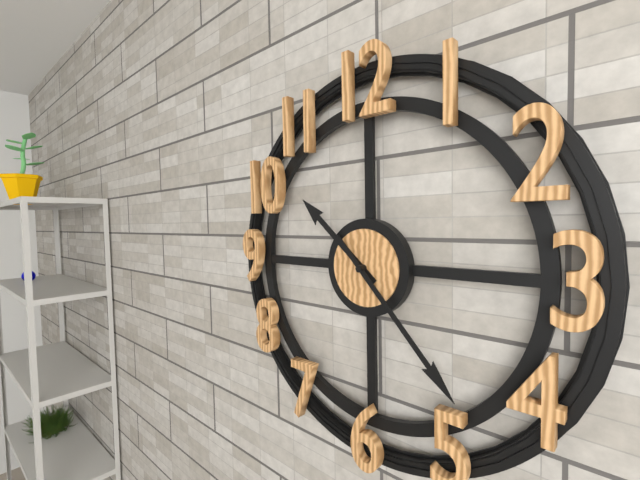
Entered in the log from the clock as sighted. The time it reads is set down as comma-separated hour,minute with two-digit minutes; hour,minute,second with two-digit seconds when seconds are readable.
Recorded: 10,23
